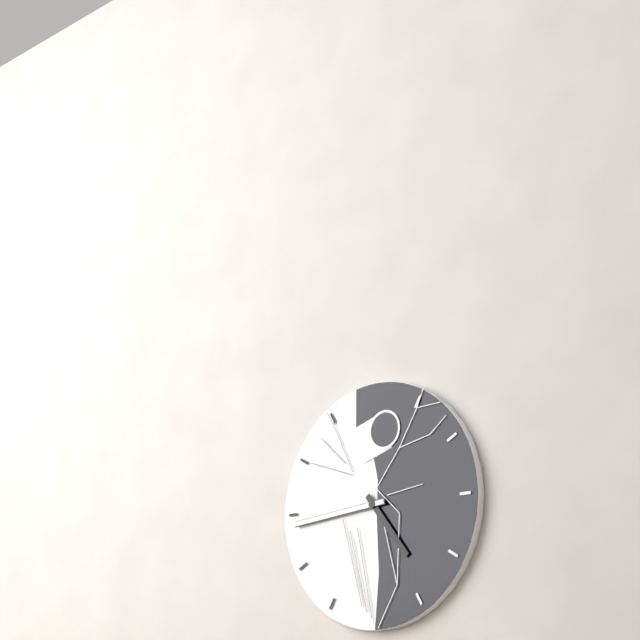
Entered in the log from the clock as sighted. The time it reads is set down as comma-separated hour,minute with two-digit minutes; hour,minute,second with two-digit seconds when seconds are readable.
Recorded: 4,44
